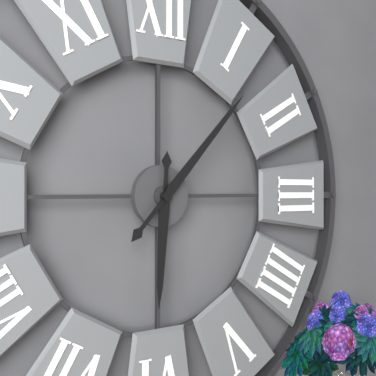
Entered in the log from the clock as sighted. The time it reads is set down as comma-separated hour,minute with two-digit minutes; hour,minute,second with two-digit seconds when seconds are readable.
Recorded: 6,07
